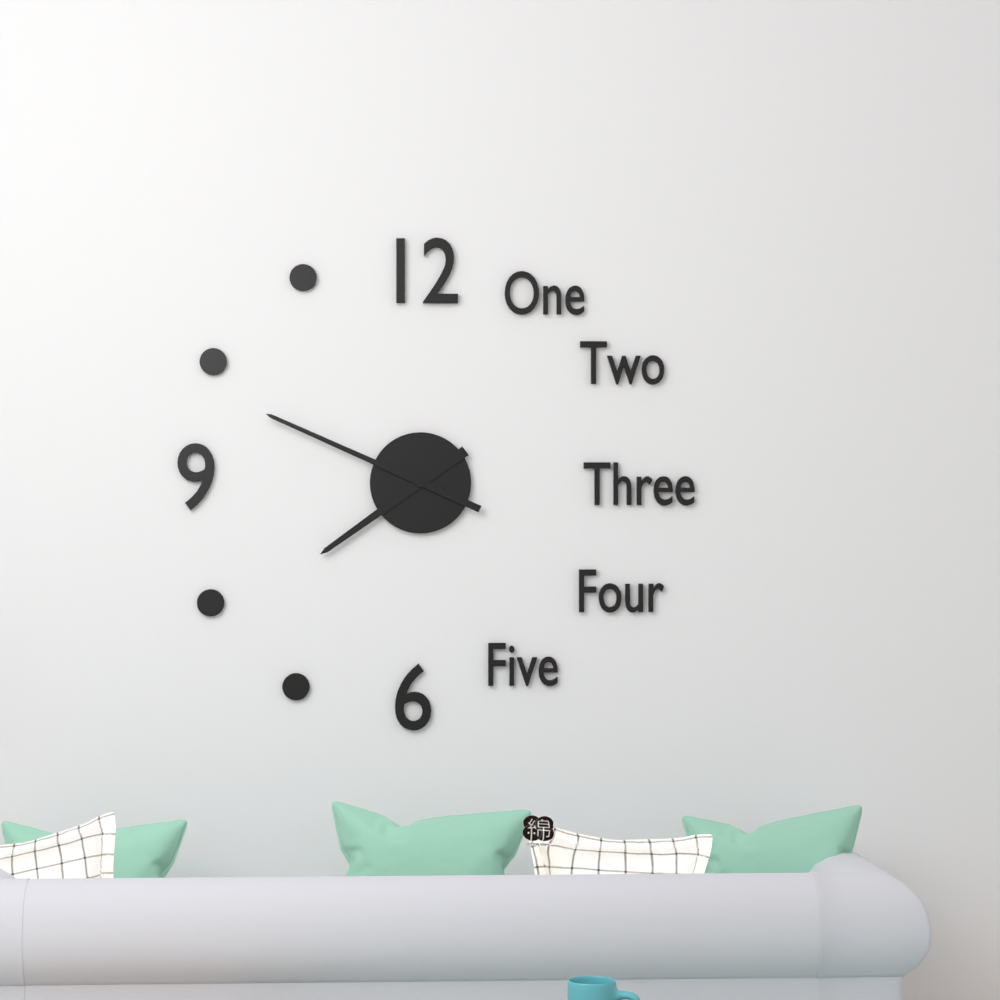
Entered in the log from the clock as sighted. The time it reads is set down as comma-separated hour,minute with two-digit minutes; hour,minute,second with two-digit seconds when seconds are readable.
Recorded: 7,49
